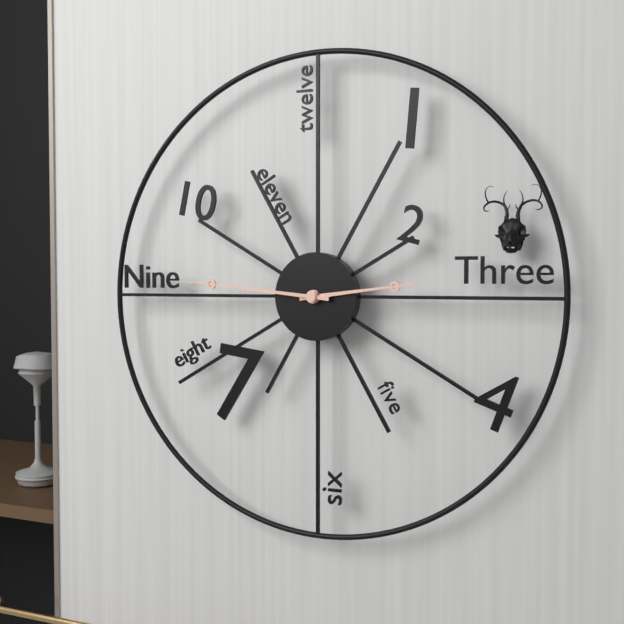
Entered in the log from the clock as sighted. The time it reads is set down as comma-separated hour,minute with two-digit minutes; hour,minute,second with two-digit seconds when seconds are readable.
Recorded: 2,46
